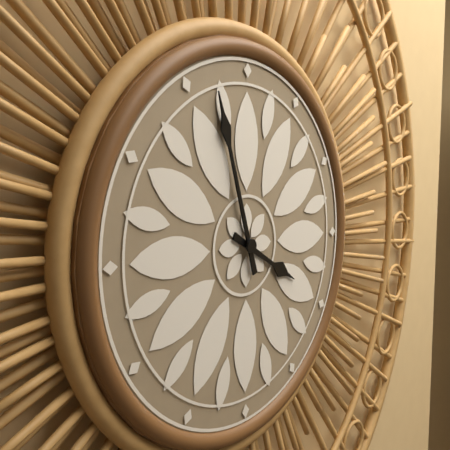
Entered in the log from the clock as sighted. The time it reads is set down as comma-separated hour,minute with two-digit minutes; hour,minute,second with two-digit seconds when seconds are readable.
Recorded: 3,57
